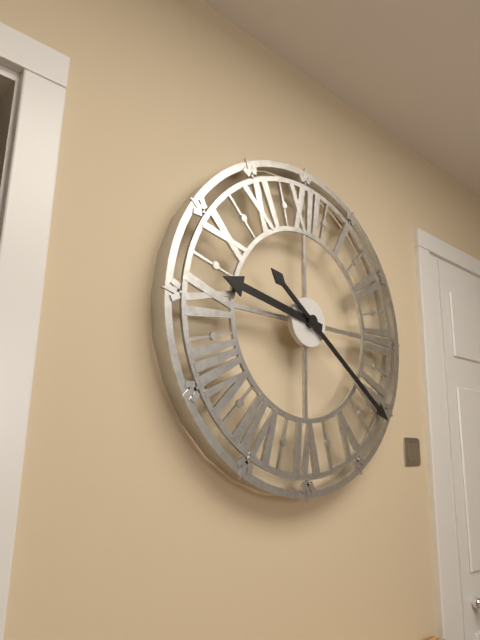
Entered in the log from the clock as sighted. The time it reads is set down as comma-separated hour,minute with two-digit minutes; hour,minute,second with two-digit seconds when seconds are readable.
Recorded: 9,21
